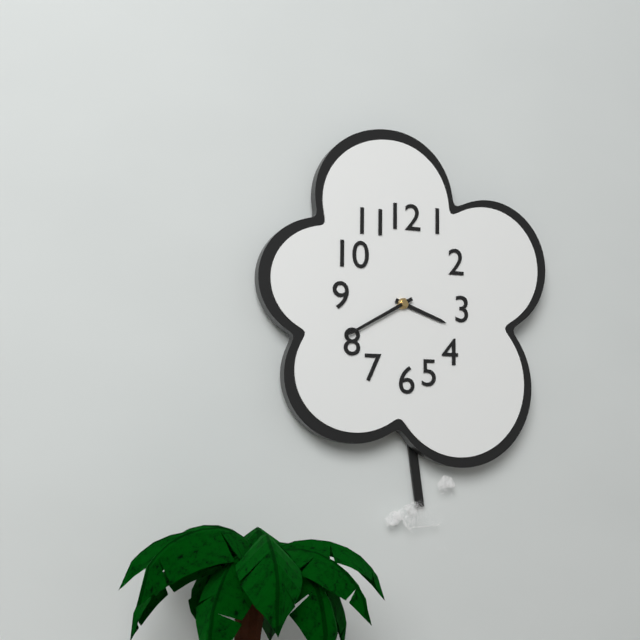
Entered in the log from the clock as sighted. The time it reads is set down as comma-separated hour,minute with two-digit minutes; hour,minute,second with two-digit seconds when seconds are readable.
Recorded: 3,40
